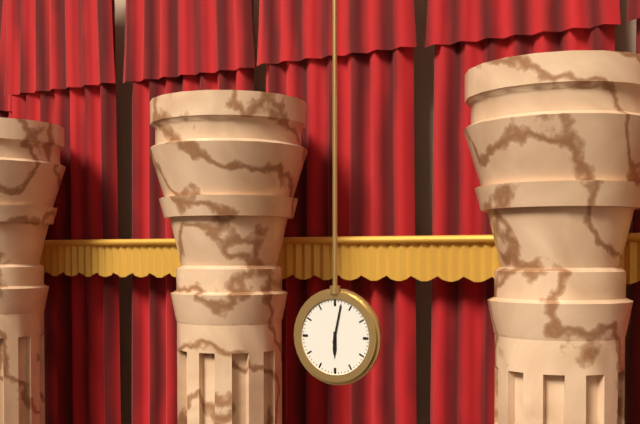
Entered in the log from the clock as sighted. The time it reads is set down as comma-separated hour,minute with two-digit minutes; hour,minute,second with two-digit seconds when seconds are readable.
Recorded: 6,02
